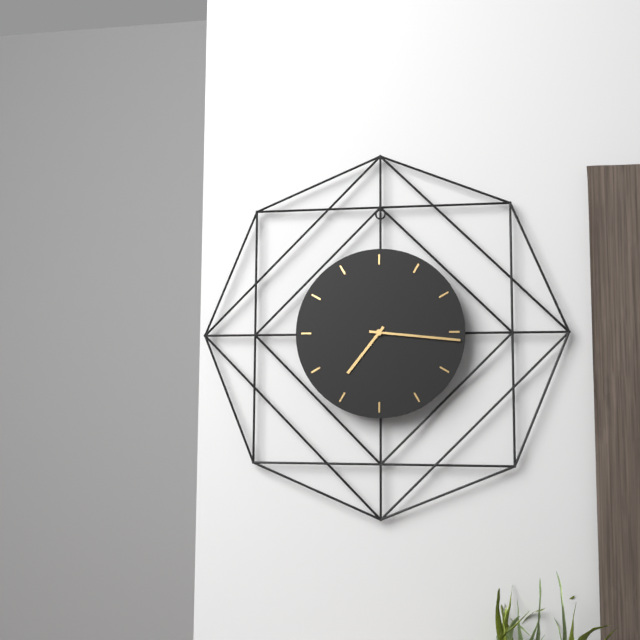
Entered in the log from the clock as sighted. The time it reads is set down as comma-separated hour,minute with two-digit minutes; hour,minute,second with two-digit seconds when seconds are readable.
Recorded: 7,16
